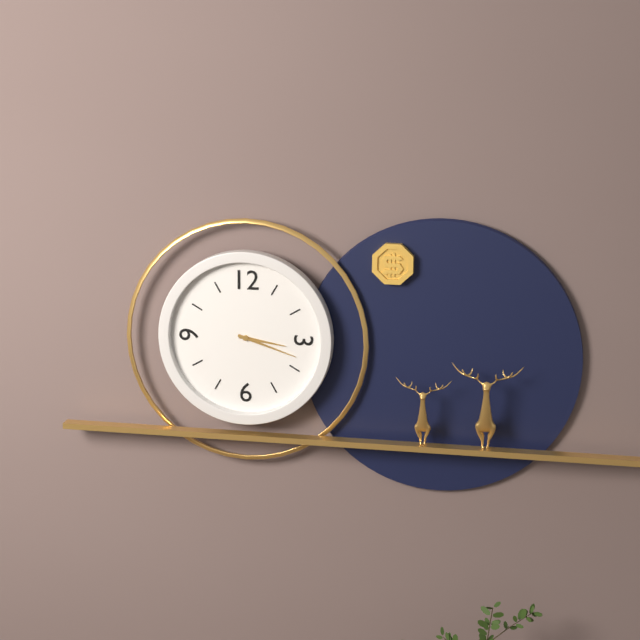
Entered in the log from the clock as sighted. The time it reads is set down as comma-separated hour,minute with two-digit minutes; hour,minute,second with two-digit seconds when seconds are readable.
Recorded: 3,18
